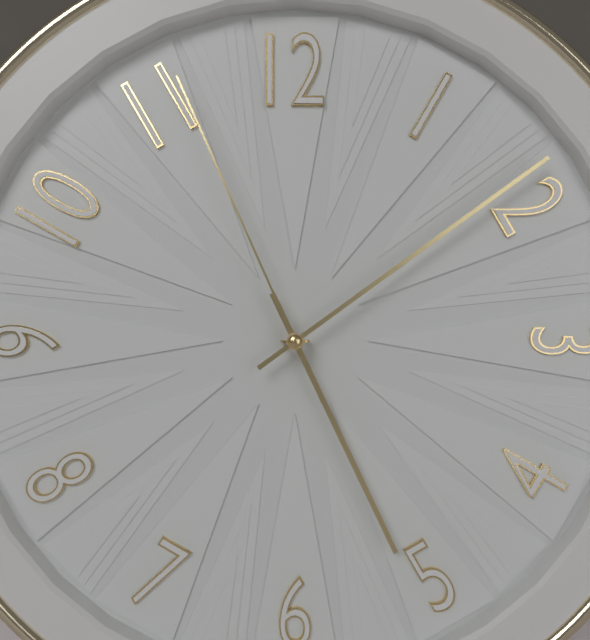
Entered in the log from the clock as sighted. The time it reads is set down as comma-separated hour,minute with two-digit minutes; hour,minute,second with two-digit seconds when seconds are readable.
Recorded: 5,09,56
